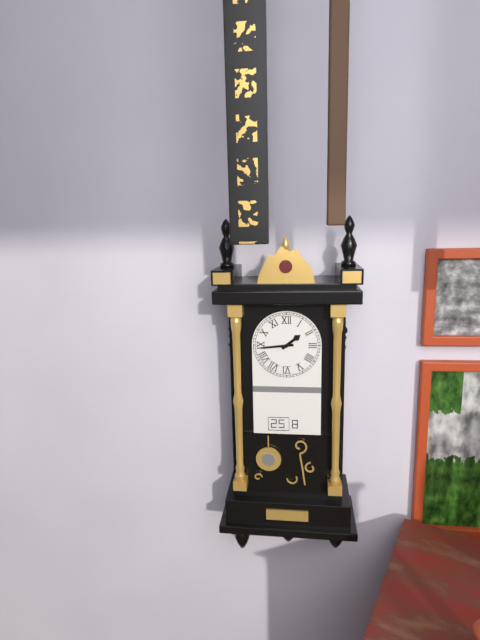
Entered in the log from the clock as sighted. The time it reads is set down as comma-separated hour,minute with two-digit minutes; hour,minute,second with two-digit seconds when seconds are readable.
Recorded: 1,44
